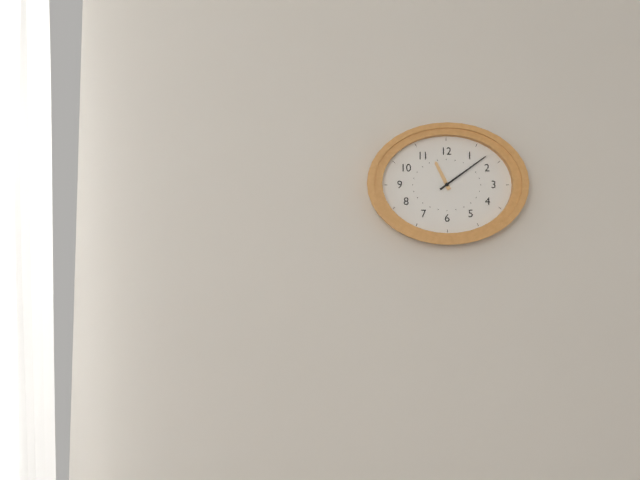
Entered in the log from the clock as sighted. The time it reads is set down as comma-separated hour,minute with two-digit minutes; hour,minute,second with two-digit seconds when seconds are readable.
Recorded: 11,09
